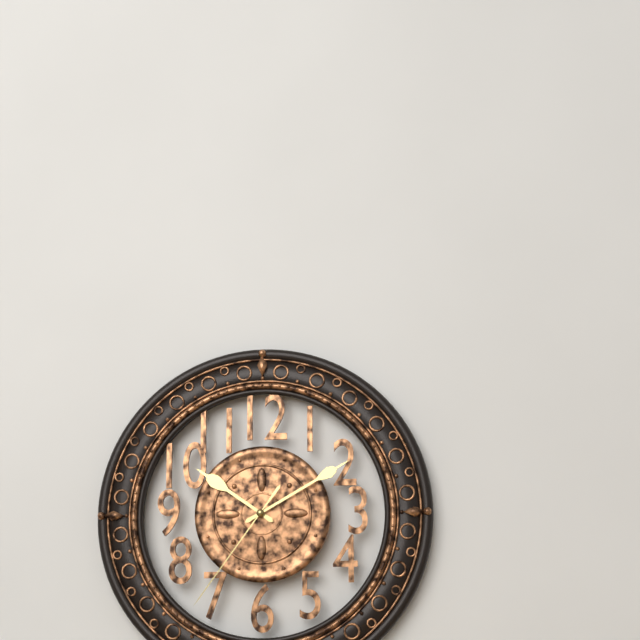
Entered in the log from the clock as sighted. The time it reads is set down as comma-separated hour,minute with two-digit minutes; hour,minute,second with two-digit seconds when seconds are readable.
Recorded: 10,10,36
